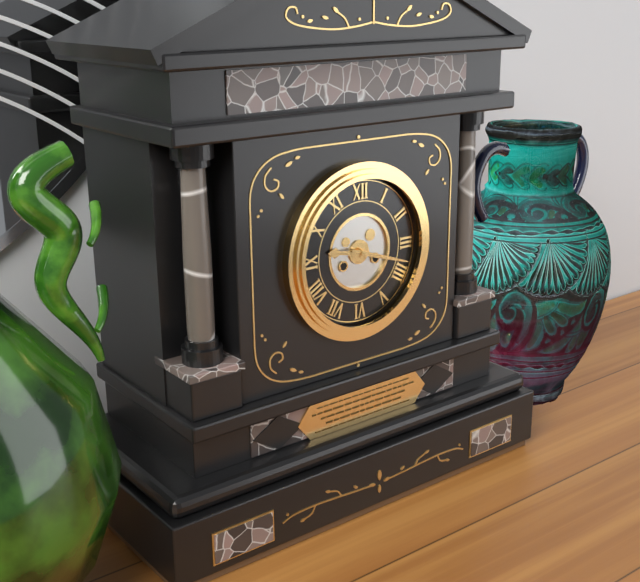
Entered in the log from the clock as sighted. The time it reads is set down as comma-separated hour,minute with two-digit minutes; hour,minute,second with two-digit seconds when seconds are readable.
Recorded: 9,18
